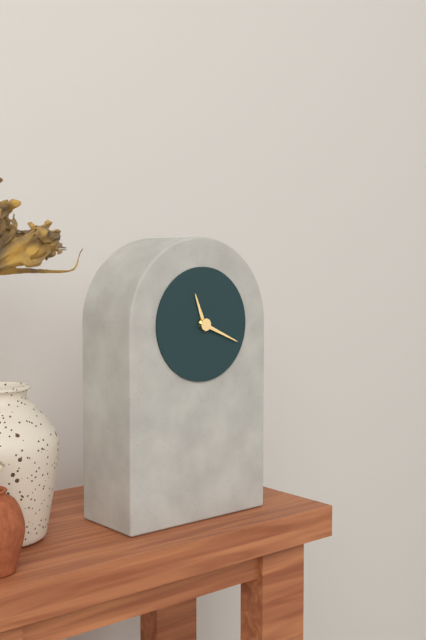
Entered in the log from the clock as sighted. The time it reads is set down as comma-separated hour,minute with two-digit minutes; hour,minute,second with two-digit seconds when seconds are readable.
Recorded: 11,19
